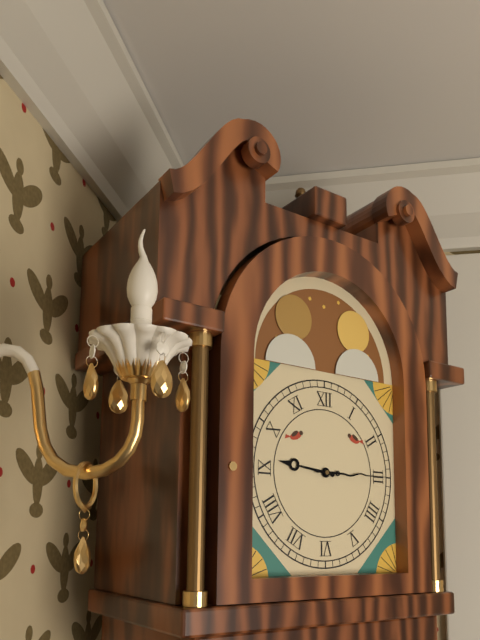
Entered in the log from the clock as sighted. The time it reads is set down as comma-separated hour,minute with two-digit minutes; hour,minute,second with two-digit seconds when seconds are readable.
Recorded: 9,15
